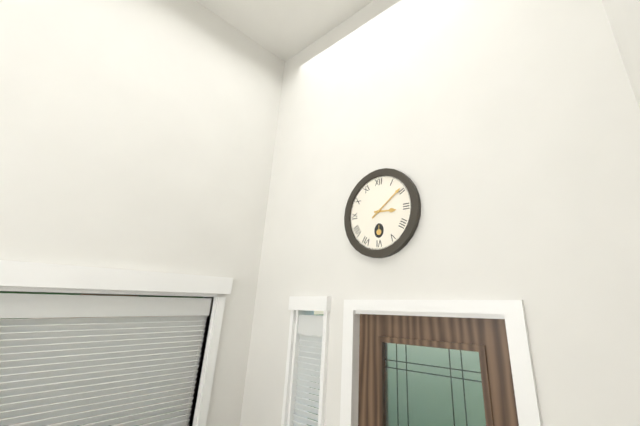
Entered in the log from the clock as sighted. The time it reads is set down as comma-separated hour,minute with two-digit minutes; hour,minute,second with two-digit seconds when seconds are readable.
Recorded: 3,09
